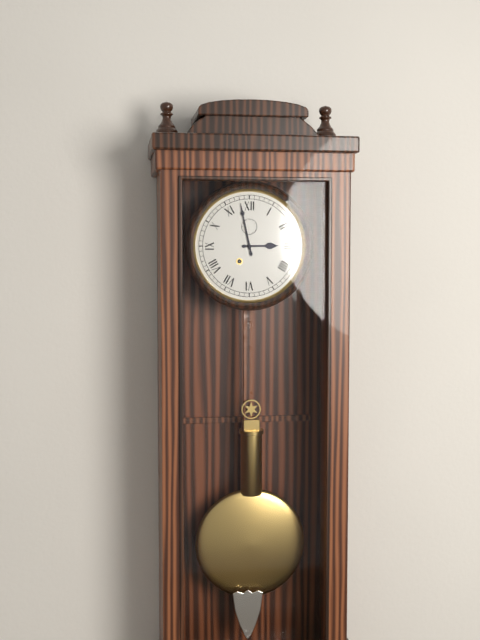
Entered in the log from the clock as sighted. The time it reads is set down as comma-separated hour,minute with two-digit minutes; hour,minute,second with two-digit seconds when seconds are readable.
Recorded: 2,58
